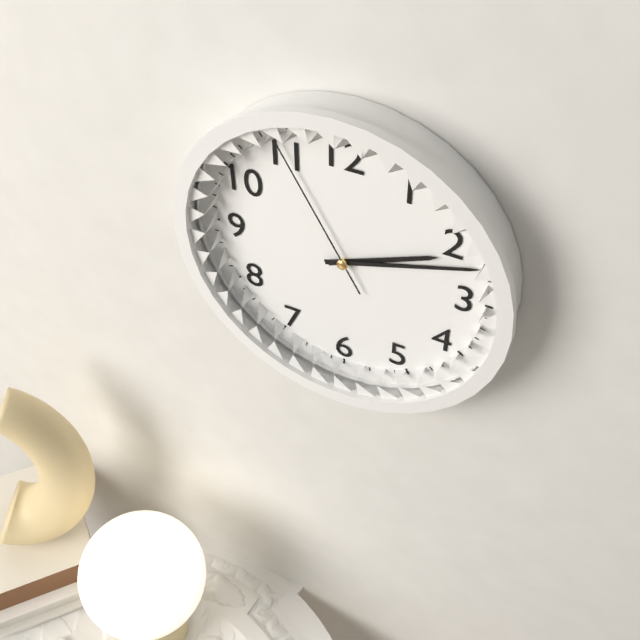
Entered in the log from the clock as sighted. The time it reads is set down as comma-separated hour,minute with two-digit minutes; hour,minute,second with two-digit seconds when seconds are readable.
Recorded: 2,12,55
